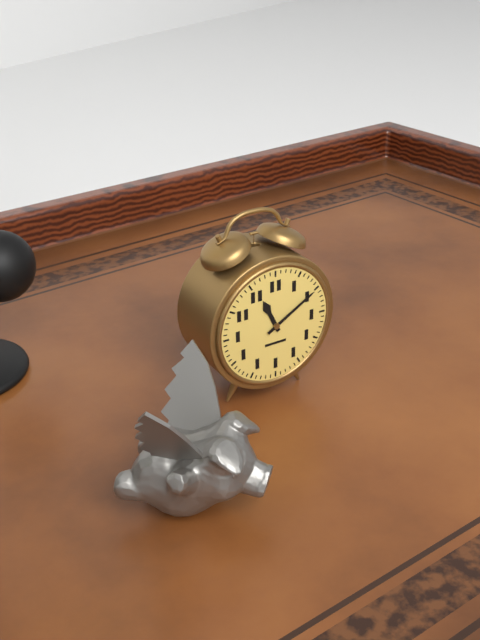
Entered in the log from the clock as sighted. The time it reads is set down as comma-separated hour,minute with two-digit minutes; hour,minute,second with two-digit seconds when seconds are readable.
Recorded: 11,10
